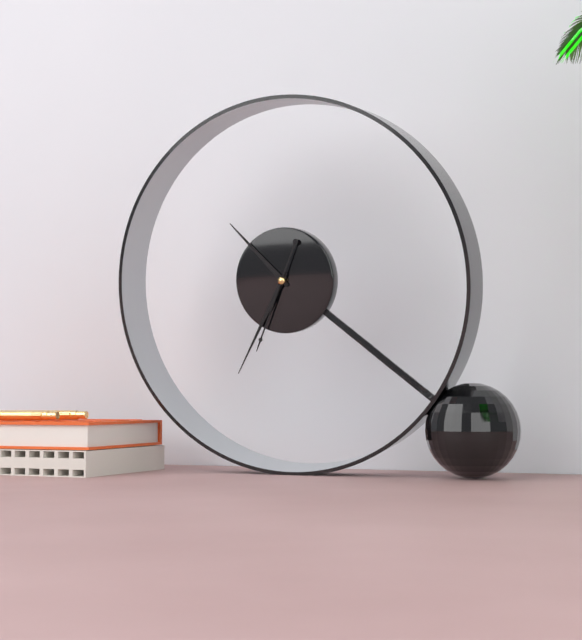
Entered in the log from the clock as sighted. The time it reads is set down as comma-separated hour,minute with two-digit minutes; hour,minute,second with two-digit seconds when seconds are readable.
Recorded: 10,35,34
